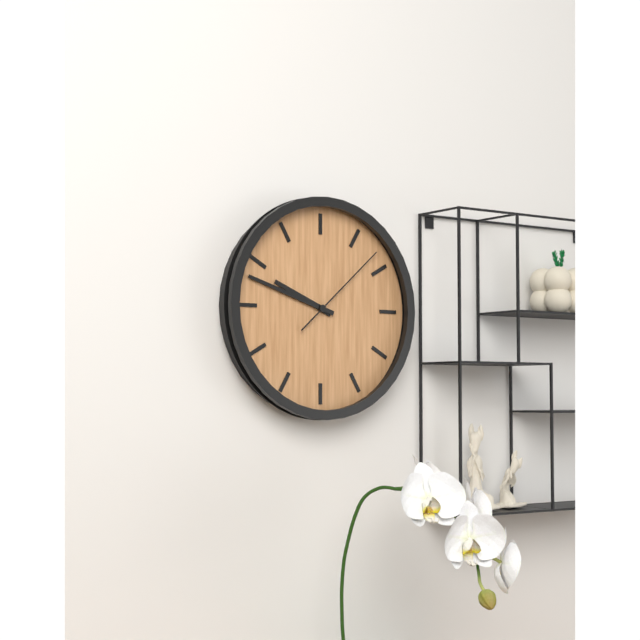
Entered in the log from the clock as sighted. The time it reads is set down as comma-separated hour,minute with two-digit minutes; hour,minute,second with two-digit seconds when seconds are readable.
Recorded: 9,48,08
